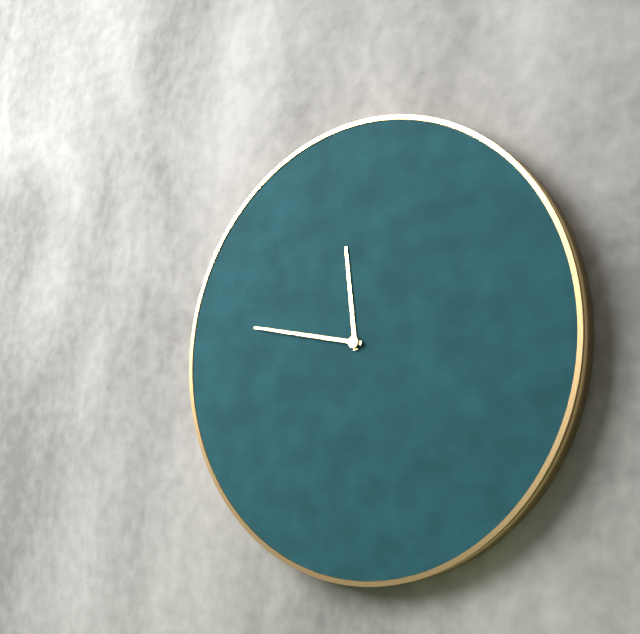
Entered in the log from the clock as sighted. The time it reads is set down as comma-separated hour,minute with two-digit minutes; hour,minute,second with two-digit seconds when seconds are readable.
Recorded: 11,47
